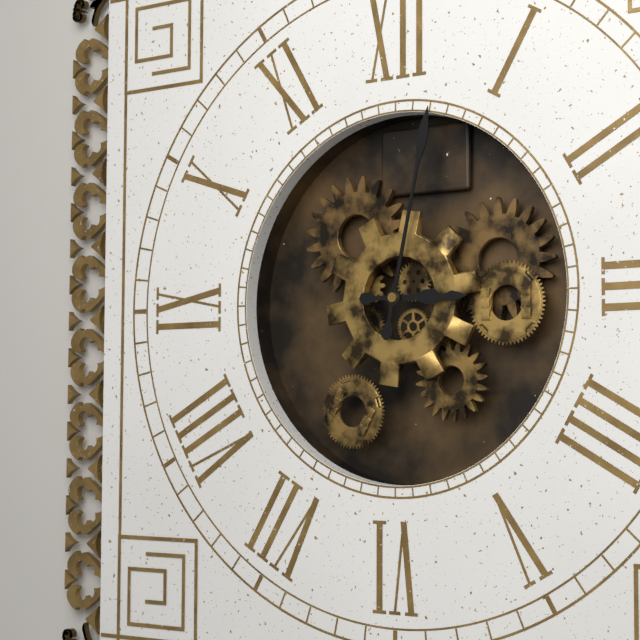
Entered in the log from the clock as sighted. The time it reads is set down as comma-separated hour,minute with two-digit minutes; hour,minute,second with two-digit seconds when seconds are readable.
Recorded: 3,02
